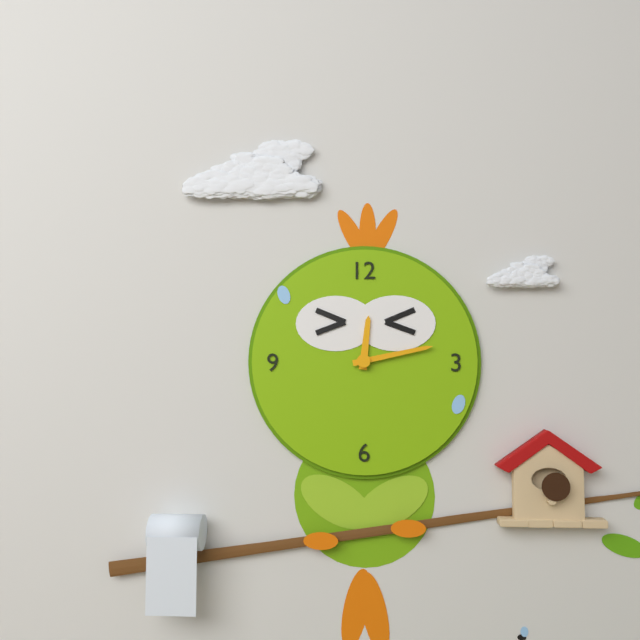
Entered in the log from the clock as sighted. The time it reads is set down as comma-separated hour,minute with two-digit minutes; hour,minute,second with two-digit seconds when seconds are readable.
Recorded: 12,13
